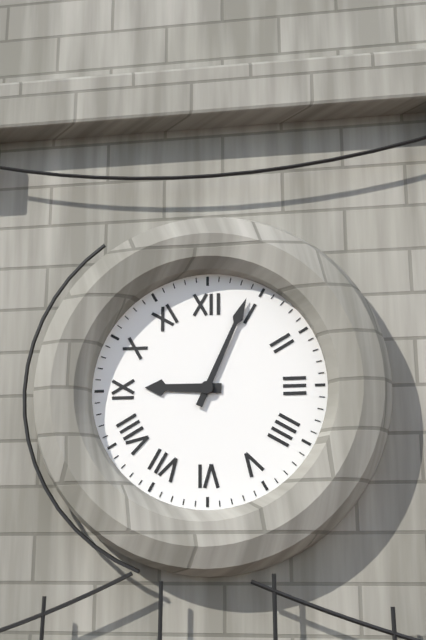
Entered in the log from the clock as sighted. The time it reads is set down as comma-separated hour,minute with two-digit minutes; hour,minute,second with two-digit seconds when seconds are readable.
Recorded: 9,04
